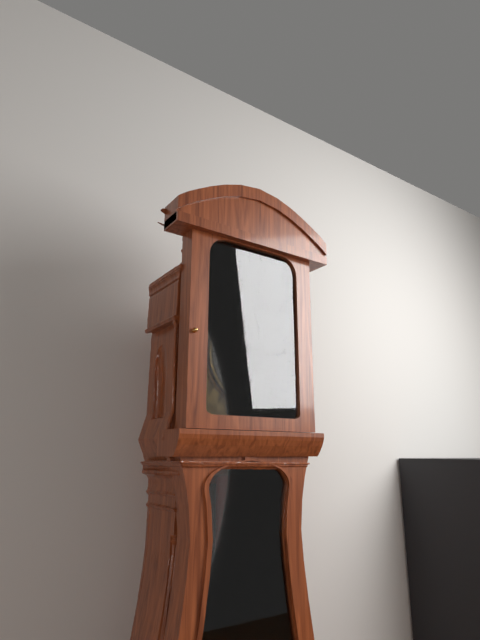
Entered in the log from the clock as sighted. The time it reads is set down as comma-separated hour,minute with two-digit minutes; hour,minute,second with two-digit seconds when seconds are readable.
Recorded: 2,28
